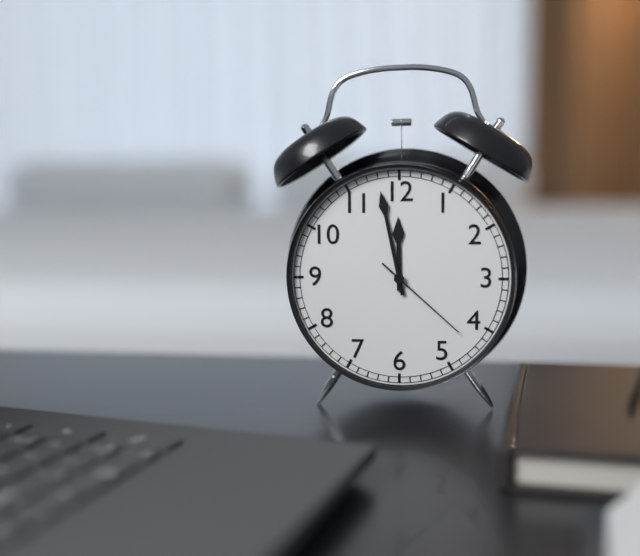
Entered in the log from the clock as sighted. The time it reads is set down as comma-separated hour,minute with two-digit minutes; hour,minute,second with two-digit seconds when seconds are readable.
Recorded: 11,58,22
